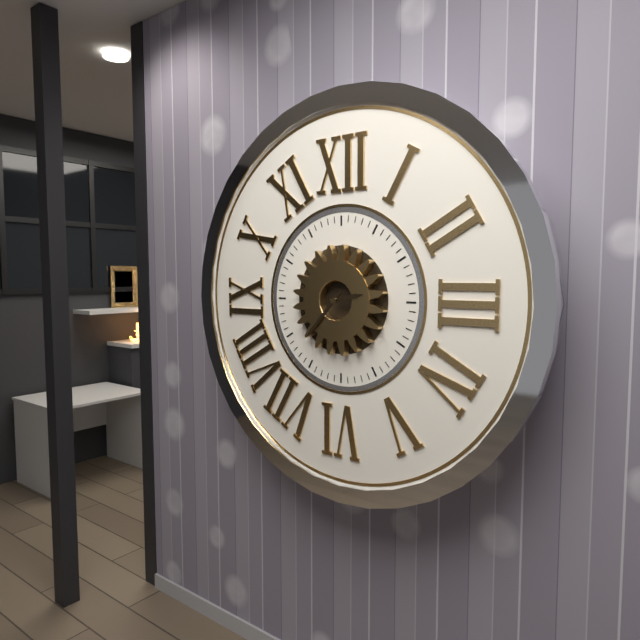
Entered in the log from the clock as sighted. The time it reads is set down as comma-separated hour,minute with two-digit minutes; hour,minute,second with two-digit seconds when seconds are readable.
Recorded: 2,37
